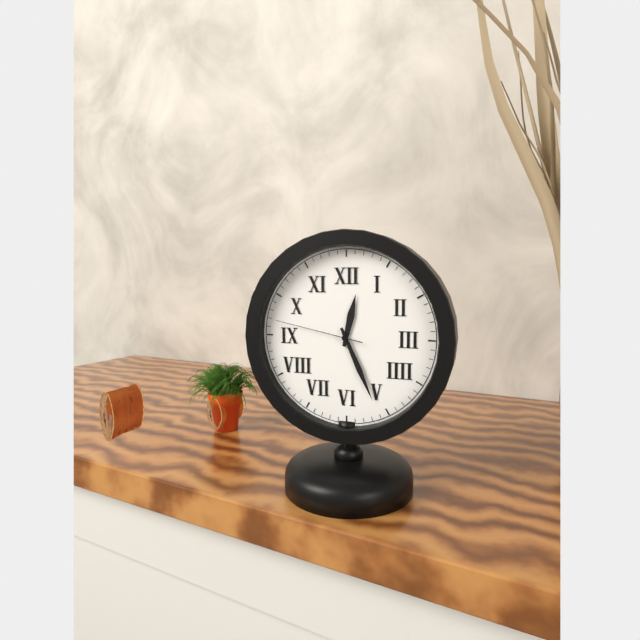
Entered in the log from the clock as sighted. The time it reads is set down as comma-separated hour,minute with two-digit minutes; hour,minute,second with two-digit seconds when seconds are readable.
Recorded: 12,26,47
